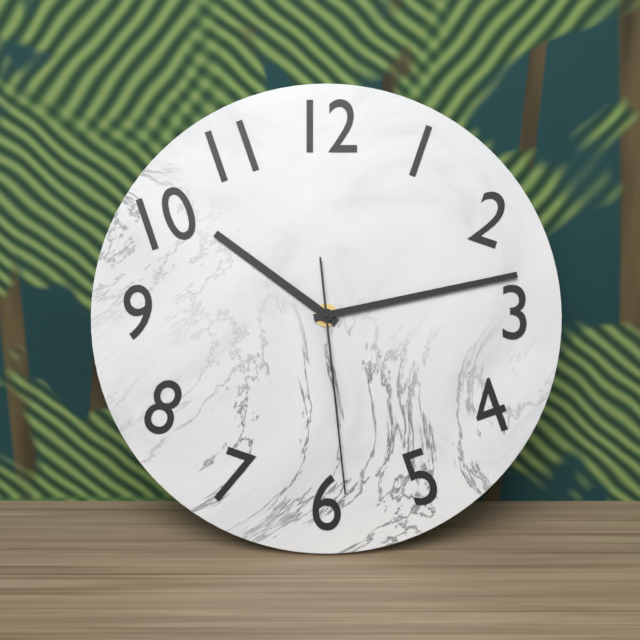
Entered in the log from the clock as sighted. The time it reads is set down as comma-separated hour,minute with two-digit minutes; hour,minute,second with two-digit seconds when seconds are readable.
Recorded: 10,13,29
